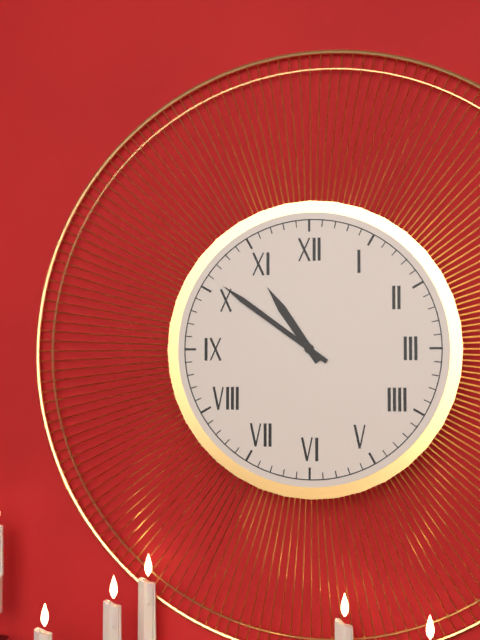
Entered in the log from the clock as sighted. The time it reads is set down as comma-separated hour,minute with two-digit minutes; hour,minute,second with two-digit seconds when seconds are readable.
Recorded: 10,51
